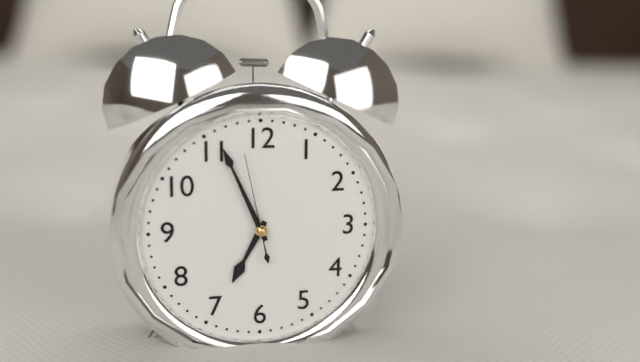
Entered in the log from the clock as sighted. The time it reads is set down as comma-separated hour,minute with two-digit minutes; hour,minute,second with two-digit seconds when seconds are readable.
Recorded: 6,56,58
